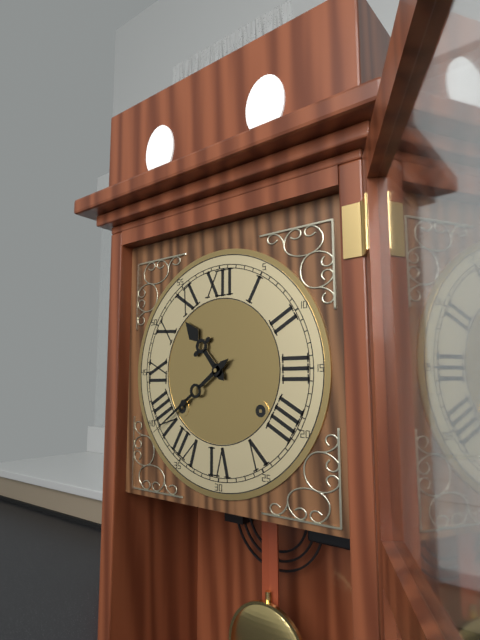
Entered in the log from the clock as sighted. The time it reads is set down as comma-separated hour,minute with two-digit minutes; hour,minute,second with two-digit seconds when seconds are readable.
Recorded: 10,39
